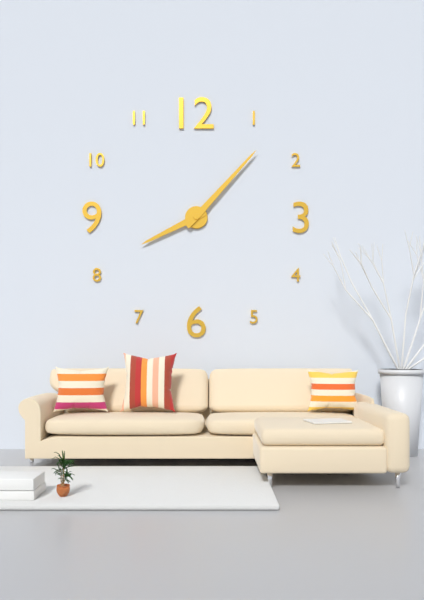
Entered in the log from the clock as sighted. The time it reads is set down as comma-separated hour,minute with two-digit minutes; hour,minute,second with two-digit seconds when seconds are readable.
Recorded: 8,07
